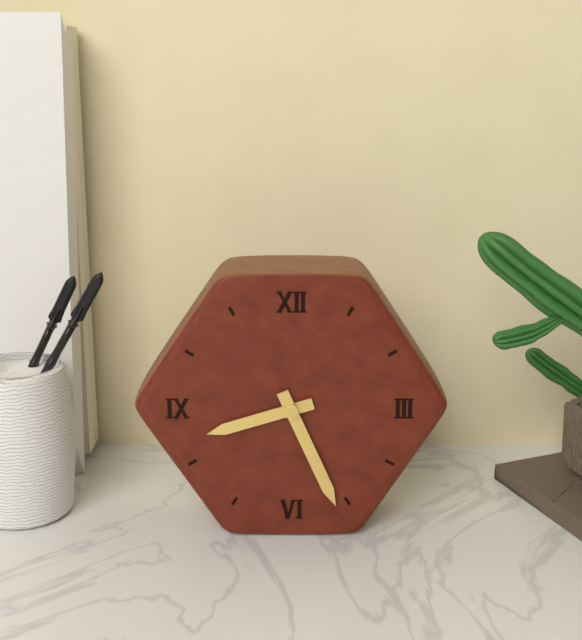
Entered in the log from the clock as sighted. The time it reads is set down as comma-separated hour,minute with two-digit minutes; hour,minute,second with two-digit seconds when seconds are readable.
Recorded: 8,26
